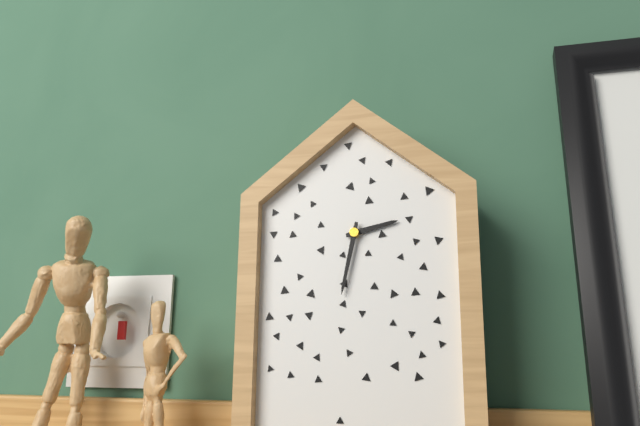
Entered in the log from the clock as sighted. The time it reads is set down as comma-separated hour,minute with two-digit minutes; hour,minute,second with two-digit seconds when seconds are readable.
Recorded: 2,32
